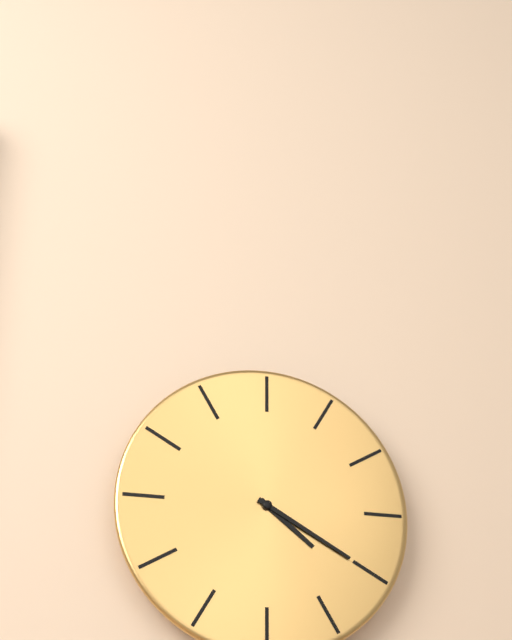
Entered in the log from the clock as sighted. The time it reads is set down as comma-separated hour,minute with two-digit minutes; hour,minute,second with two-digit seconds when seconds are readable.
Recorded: 4,20
